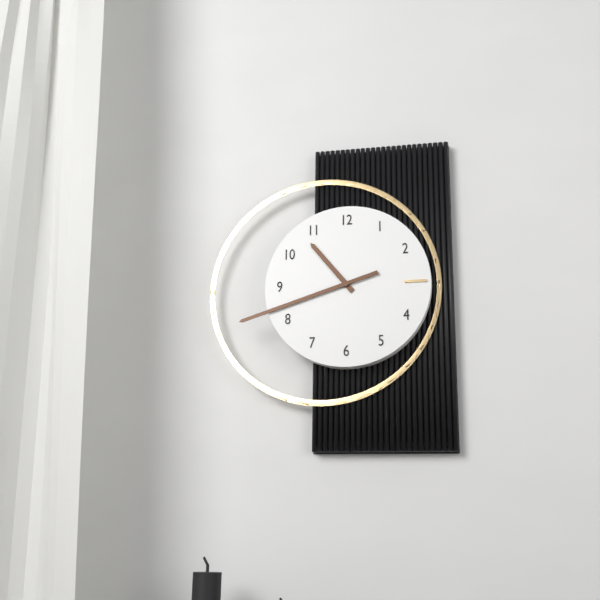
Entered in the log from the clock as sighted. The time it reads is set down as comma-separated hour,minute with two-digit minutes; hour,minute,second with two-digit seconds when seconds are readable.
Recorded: 10,42
